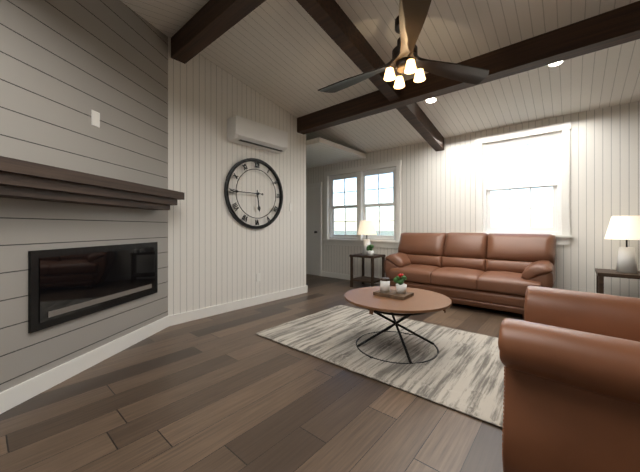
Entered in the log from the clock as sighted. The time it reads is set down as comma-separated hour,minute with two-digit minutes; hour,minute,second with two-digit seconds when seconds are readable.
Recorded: 5,45
